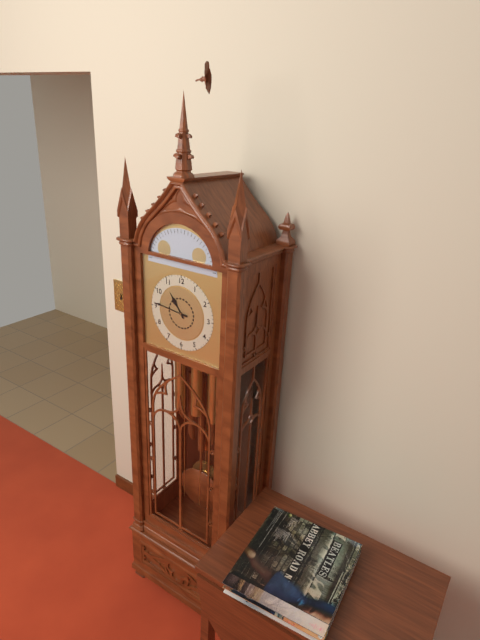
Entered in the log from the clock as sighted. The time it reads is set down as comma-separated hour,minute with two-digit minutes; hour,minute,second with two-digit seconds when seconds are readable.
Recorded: 10,46
